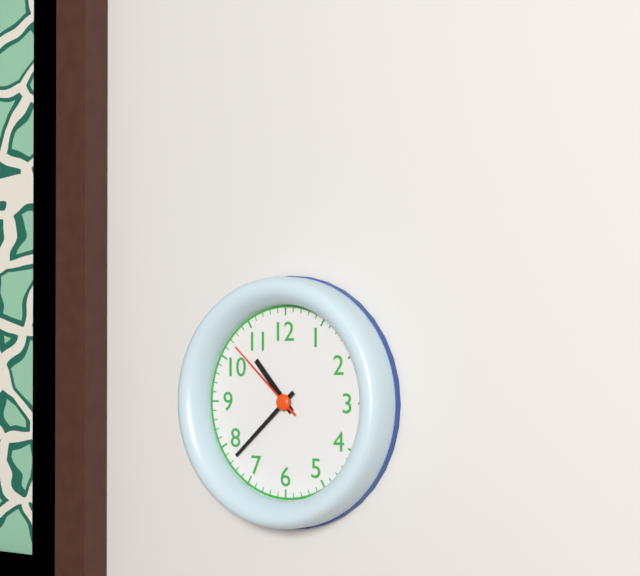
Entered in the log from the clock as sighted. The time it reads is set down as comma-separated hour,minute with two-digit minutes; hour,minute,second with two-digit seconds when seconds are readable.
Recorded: 10,38,52
